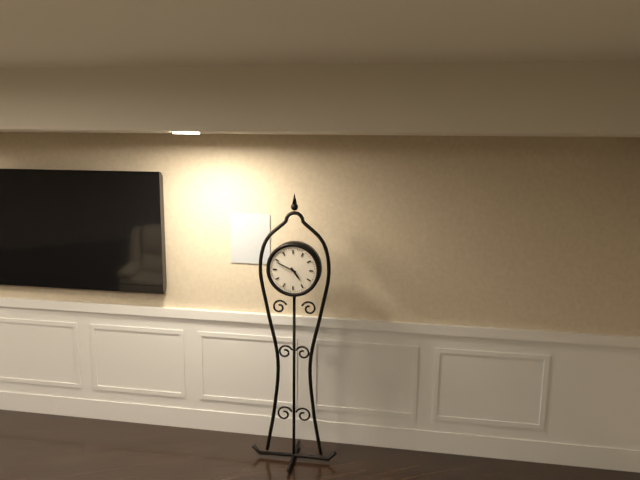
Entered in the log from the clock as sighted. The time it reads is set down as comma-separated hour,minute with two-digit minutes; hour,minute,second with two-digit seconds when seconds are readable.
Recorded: 4,49
